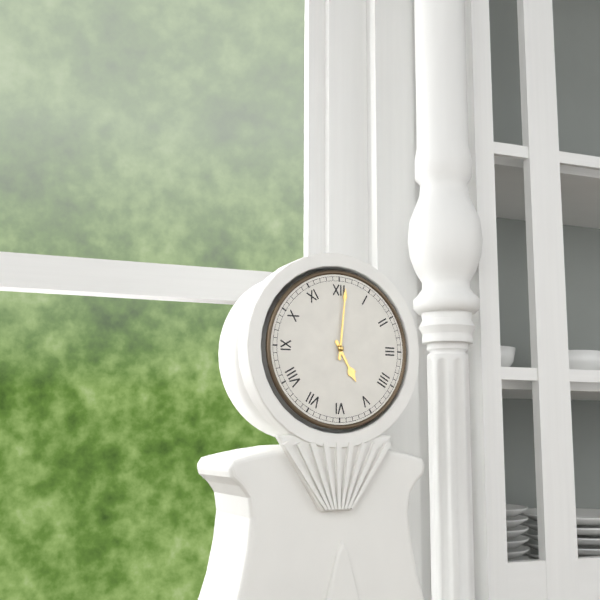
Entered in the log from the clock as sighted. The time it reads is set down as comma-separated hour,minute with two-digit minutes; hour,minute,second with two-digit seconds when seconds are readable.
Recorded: 5,01
